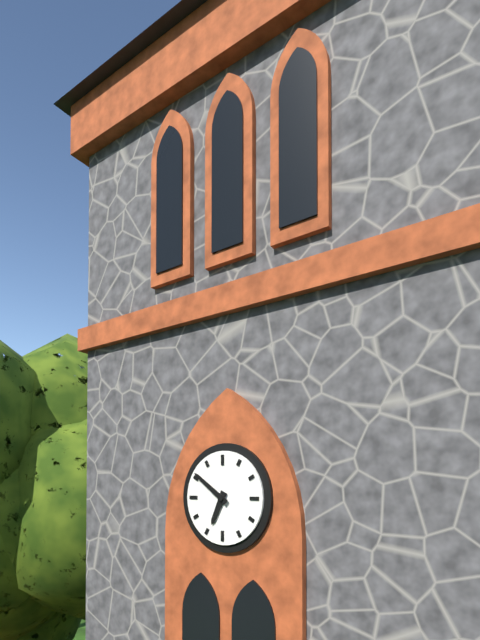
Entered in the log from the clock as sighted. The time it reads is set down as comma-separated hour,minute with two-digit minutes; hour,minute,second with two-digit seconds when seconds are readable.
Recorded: 6,51
